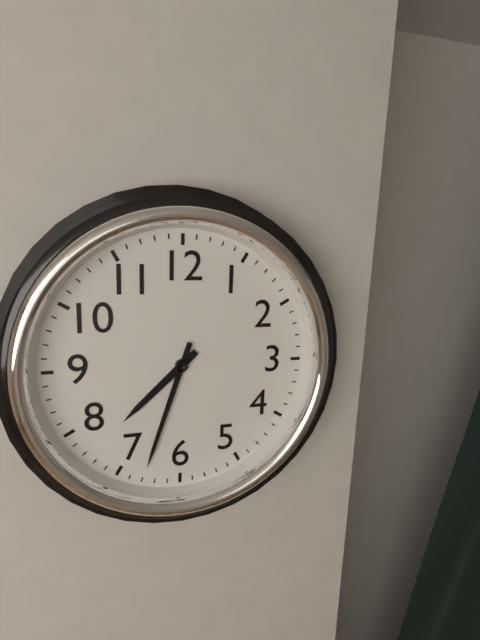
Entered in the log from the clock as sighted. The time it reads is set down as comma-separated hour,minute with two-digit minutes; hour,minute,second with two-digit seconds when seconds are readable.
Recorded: 7,33
